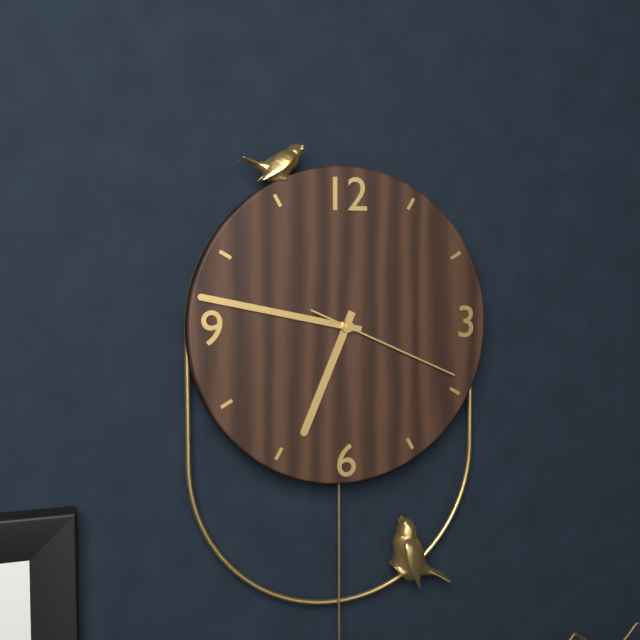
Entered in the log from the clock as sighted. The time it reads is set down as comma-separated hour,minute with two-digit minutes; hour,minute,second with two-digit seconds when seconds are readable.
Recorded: 6,47,19
